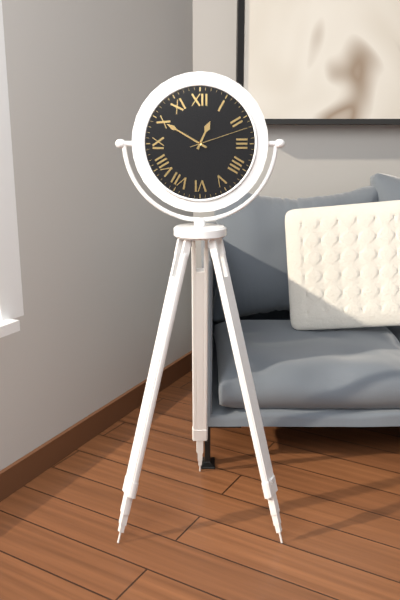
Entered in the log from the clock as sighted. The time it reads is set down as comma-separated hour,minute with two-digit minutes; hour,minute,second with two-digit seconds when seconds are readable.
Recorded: 12,50,12
